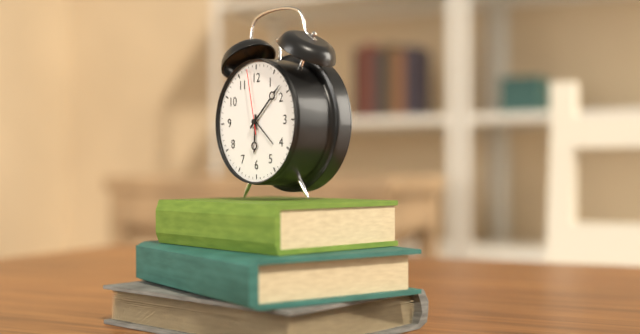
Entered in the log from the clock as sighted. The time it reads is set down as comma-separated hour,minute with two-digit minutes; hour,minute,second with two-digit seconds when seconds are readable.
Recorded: 6,08,58
